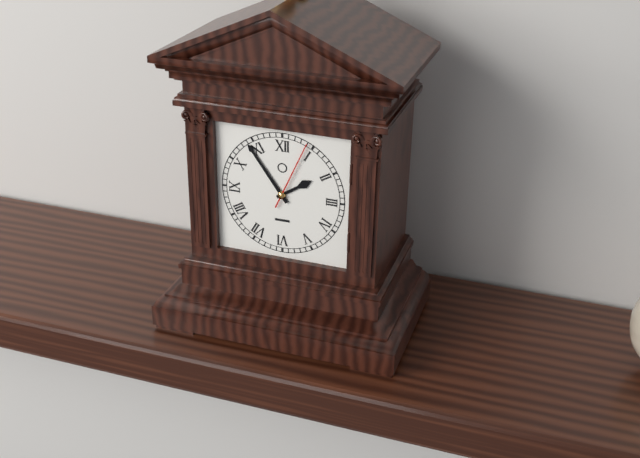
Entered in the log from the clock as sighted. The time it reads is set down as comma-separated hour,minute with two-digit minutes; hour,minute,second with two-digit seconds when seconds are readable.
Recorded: 1,54,04
